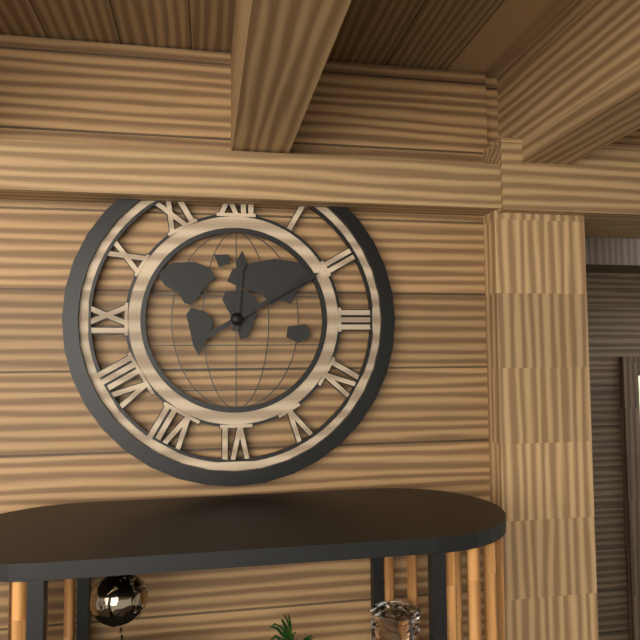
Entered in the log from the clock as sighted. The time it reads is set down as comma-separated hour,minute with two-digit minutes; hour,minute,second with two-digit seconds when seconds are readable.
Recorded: 12,10
